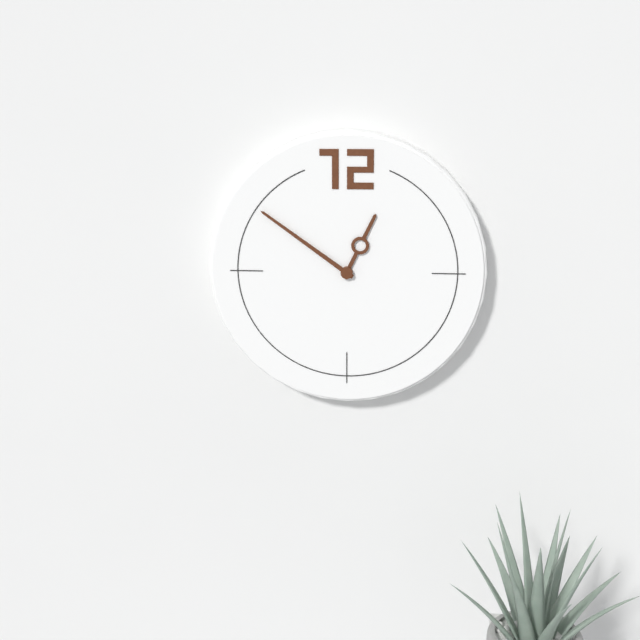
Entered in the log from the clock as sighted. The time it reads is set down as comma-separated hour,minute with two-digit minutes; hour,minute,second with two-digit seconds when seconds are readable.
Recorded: 12,51
